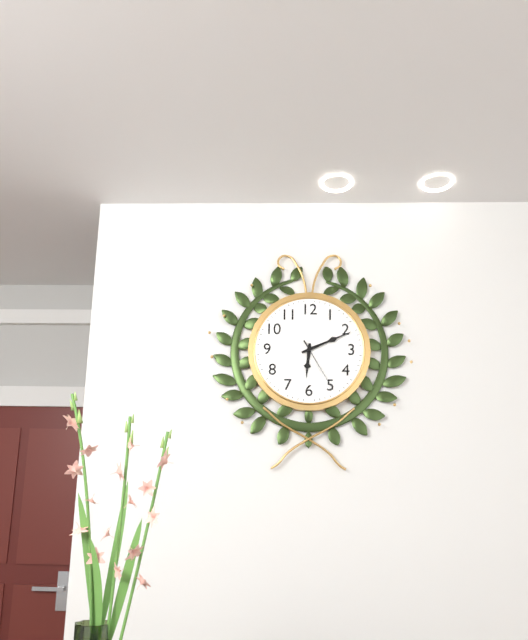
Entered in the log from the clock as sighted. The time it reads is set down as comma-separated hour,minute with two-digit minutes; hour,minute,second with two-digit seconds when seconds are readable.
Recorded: 6,11,25
